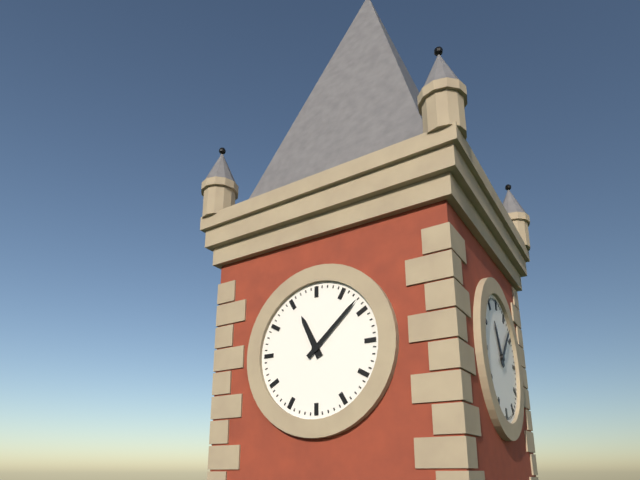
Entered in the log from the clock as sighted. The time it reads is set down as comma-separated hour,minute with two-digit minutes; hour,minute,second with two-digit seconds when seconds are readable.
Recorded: 11,08
